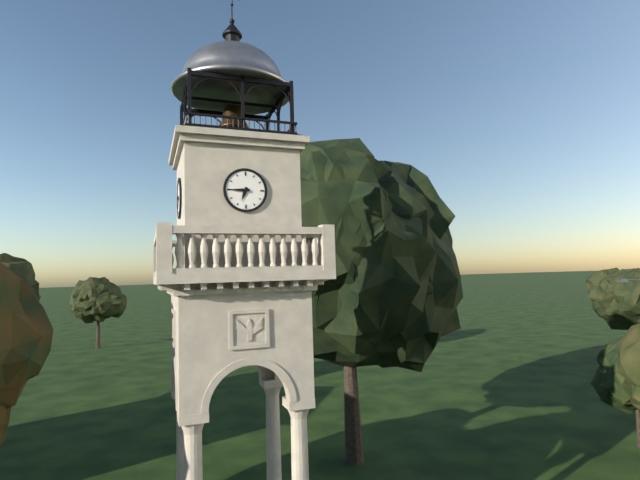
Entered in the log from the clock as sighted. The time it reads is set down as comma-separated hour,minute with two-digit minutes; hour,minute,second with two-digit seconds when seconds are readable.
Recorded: 6,45
